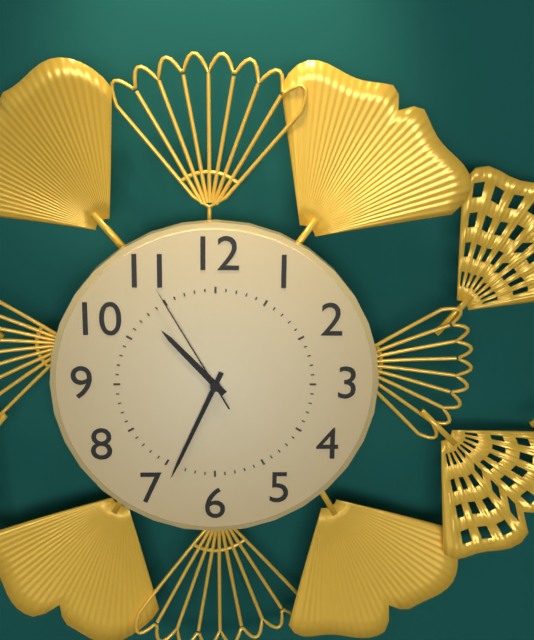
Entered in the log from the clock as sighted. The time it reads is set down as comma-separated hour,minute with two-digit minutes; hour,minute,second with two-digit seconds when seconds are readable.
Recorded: 10,34,55
